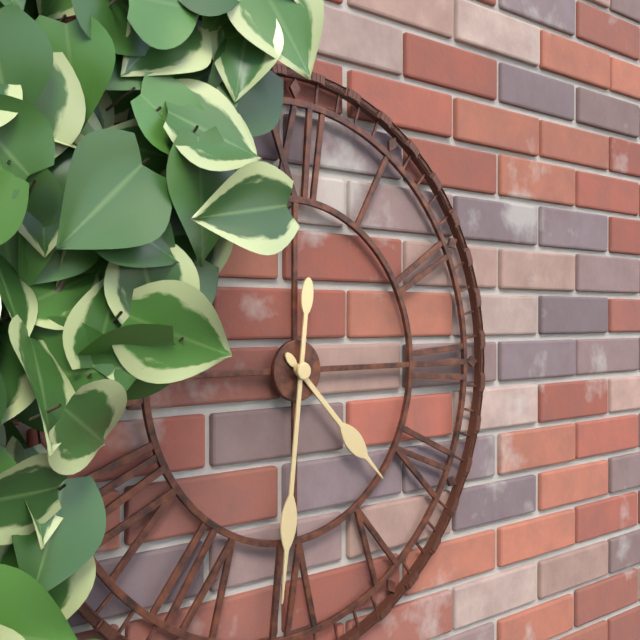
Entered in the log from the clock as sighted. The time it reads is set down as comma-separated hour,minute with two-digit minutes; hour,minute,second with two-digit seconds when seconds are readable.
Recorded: 4,31
